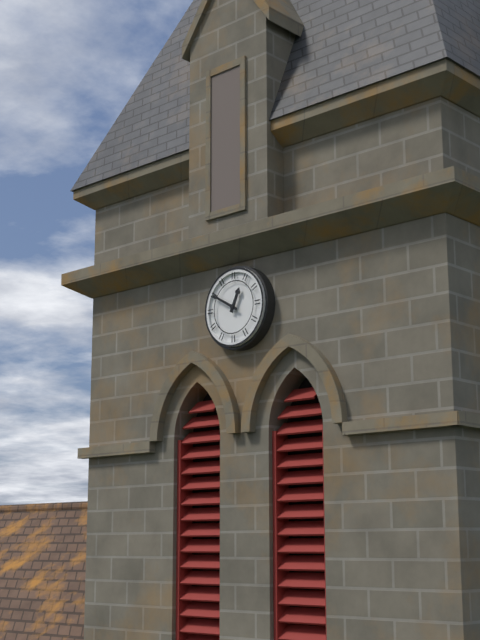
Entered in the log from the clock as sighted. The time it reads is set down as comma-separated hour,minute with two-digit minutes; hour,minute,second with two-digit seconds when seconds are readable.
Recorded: 12,50
